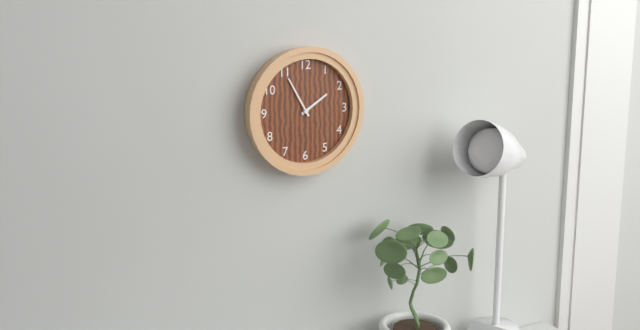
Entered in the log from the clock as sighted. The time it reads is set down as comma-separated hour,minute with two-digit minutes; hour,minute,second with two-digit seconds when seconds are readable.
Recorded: 1,55
